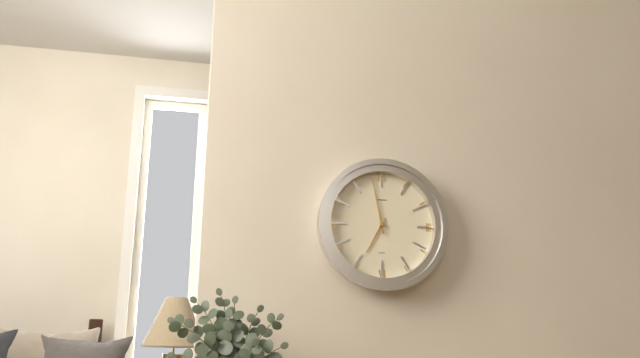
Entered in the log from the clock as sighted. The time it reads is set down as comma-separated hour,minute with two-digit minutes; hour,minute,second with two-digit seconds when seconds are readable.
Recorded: 6,58
